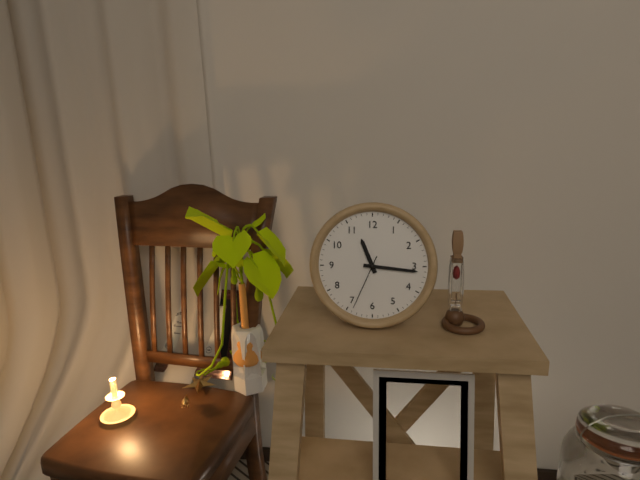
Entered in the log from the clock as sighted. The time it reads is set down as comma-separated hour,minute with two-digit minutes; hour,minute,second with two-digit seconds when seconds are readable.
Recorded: 11,16,34
